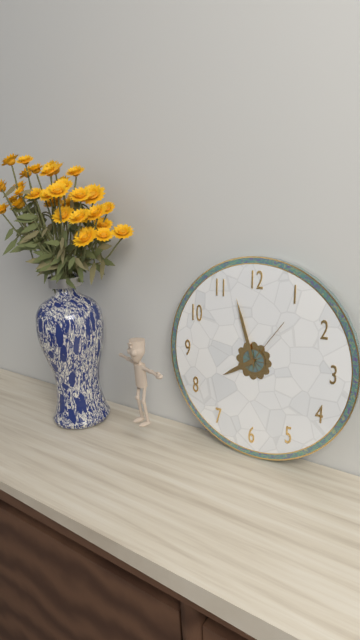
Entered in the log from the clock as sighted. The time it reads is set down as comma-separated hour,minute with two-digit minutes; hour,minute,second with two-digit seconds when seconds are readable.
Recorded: 7,57,06
